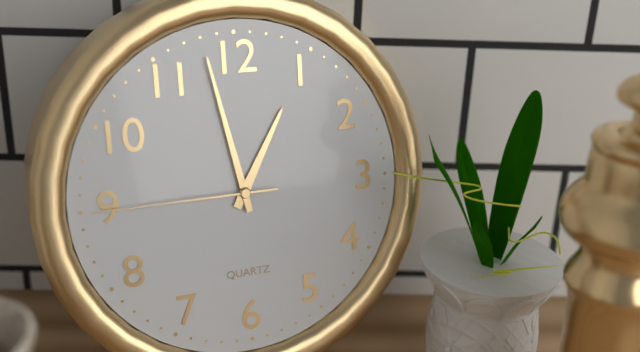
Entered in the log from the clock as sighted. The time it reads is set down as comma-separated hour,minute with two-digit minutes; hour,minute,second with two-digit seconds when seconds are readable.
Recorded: 12,58,45
